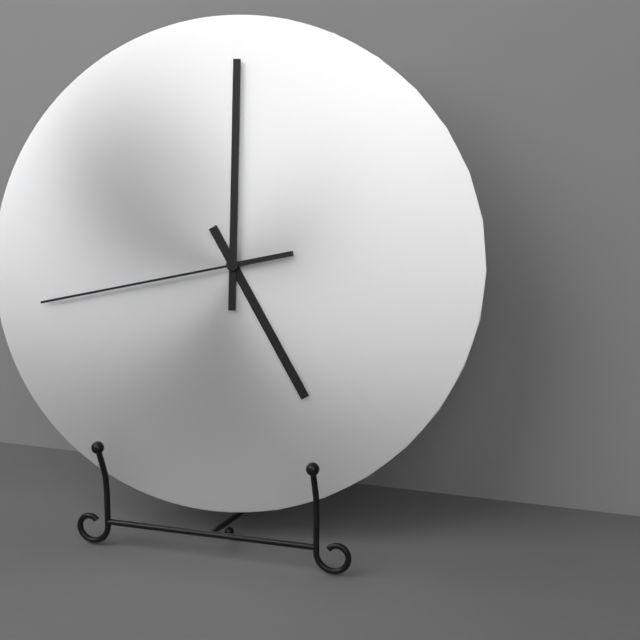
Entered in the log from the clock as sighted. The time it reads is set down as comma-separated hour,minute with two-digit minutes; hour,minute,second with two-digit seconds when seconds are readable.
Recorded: 5,00,43
